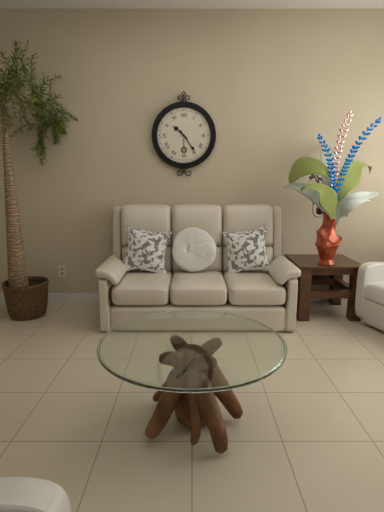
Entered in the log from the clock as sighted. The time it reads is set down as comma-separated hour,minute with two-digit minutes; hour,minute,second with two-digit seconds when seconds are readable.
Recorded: 10,24
